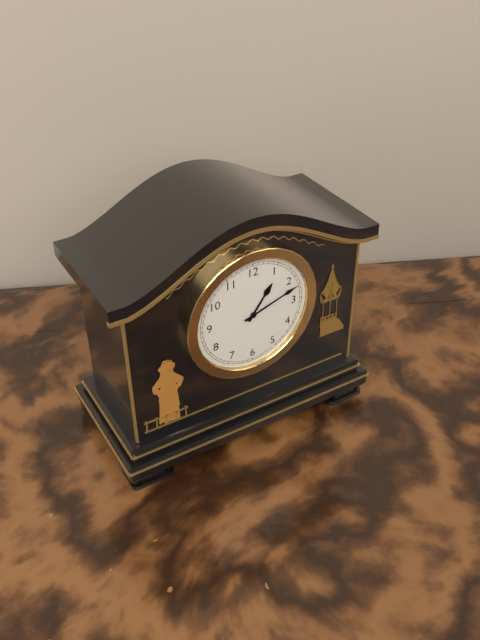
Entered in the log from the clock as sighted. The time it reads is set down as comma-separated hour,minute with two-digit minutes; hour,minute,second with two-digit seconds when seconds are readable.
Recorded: 1,12
